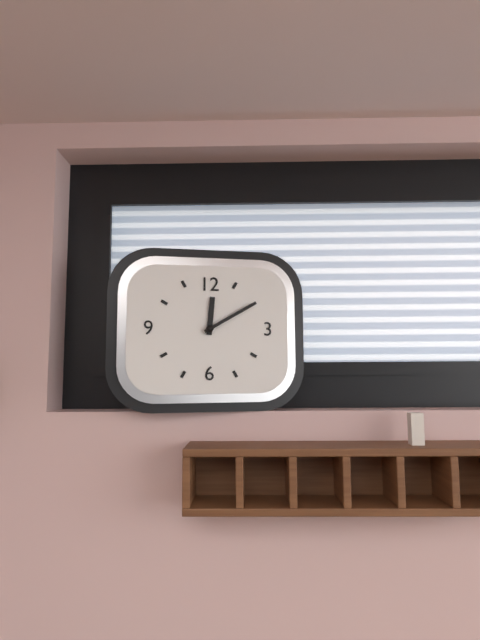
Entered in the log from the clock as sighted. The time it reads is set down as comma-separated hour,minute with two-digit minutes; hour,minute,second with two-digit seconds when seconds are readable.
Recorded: 12,10
